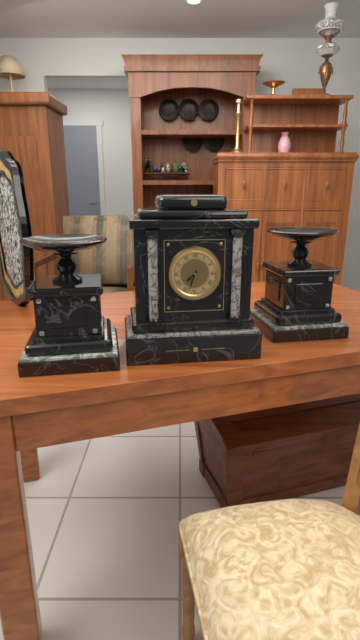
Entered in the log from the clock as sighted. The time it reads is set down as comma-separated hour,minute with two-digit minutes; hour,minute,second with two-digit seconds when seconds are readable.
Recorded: 7,33
